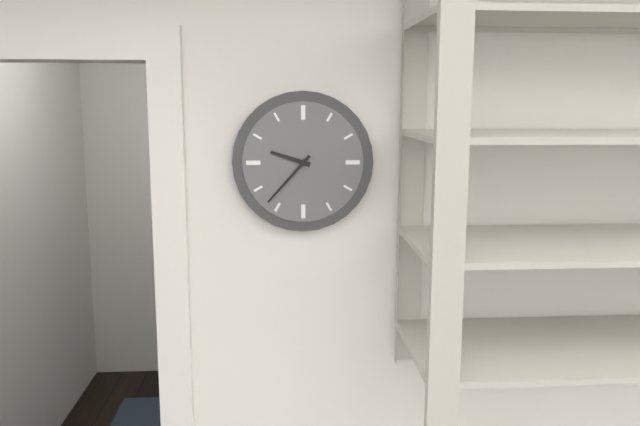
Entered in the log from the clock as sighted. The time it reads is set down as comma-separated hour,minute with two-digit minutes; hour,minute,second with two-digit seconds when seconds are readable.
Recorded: 9,37
